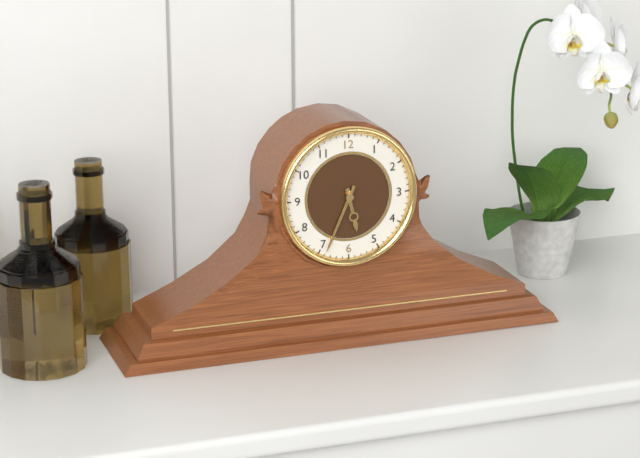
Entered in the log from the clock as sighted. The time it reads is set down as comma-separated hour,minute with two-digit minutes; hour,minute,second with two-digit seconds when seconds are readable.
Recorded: 5,34
